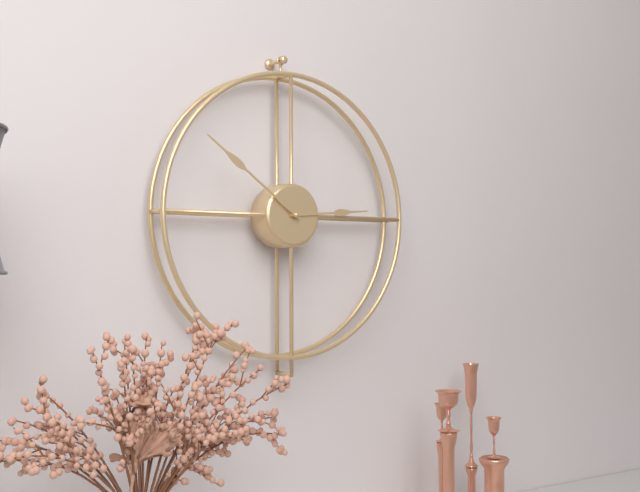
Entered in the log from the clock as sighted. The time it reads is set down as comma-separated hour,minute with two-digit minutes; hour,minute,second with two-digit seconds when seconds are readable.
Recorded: 2,51
